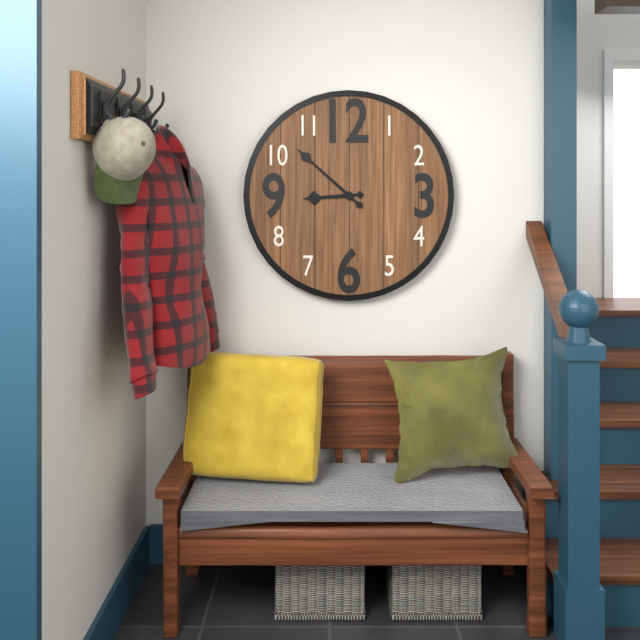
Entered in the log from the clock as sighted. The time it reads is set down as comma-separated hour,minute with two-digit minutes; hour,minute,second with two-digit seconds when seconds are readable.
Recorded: 8,52
